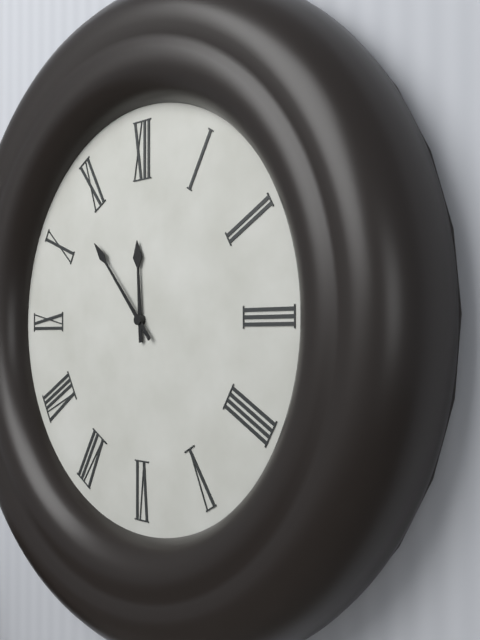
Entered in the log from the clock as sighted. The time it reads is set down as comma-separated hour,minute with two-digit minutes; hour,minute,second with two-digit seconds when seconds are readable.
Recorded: 11,53
